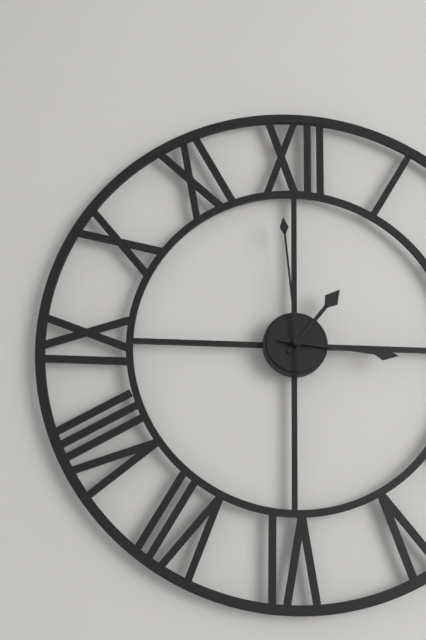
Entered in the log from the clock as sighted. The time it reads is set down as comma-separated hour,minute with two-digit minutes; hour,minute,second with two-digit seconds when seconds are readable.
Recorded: 1,16,59
